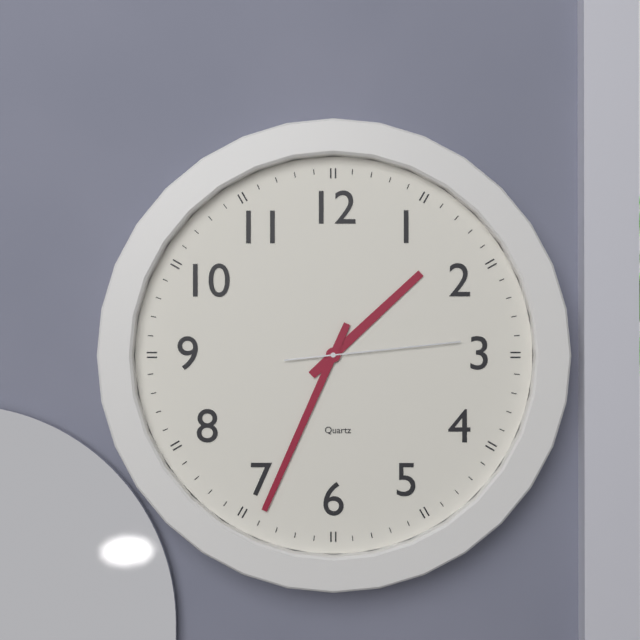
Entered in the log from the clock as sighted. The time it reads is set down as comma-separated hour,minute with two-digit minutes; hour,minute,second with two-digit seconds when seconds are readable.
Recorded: 1,34,14
